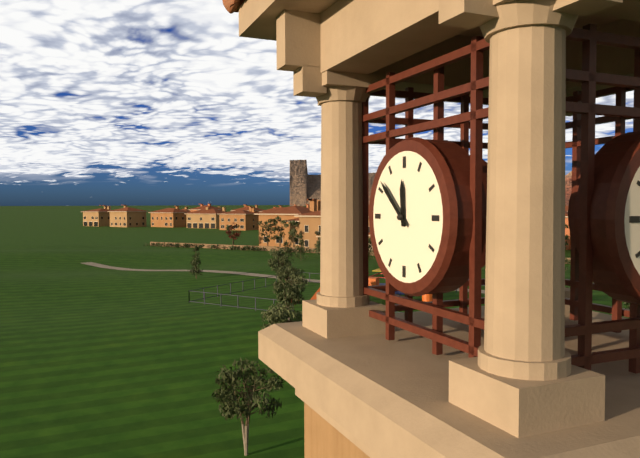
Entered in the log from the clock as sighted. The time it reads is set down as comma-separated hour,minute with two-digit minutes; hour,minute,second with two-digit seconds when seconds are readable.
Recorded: 11,52
